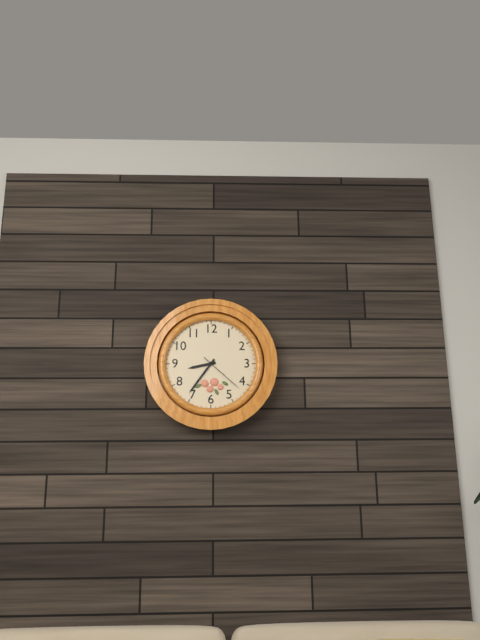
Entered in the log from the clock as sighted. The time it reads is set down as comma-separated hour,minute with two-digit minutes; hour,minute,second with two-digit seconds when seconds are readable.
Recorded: 8,36
